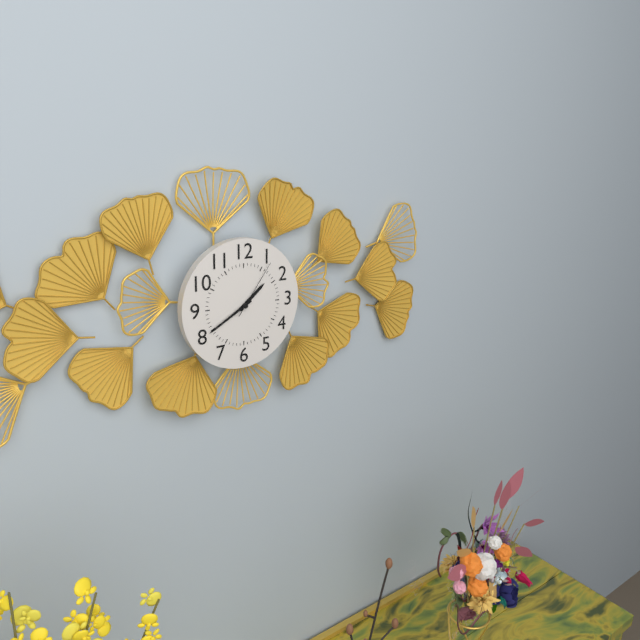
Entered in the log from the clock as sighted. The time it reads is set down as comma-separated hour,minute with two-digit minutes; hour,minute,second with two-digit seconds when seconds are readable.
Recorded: 1,40,06
